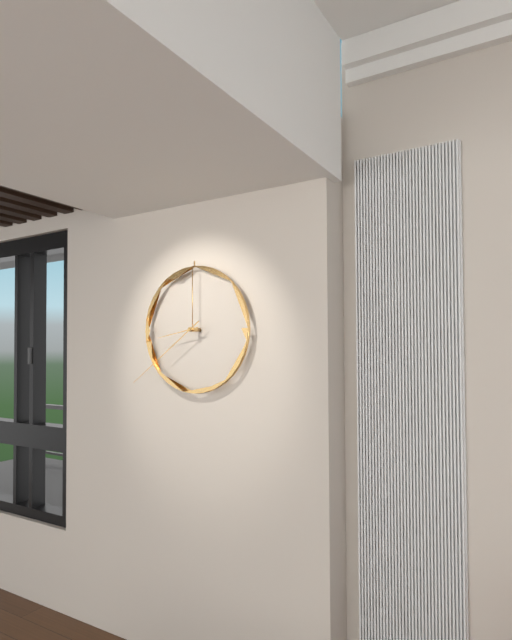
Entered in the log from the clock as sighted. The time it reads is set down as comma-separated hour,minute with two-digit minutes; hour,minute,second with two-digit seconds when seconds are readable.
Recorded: 8,39
